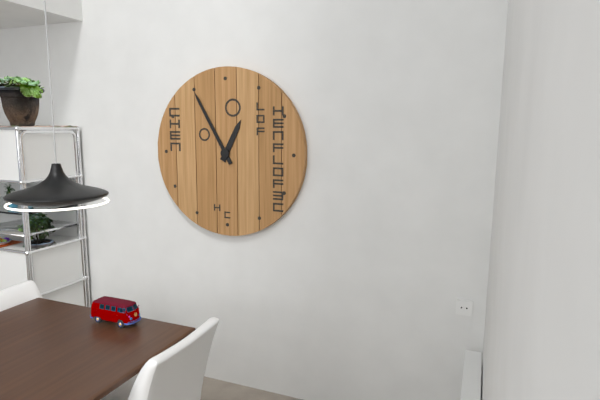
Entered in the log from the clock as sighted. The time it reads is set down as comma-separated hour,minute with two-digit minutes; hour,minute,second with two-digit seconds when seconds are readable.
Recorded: 12,55
